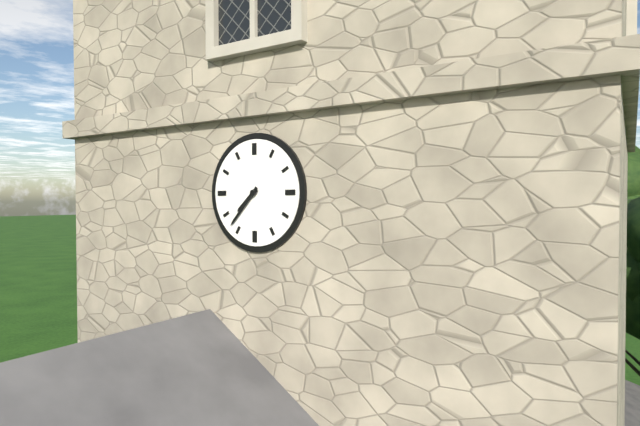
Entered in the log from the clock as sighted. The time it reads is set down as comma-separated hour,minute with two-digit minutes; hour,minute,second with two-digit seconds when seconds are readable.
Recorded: 7,37
